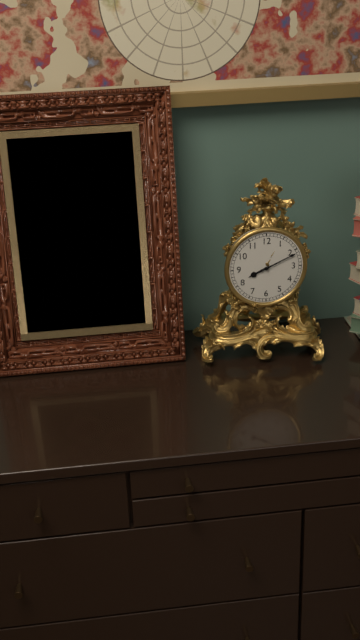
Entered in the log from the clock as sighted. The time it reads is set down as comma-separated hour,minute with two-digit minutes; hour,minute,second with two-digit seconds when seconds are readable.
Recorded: 8,11
